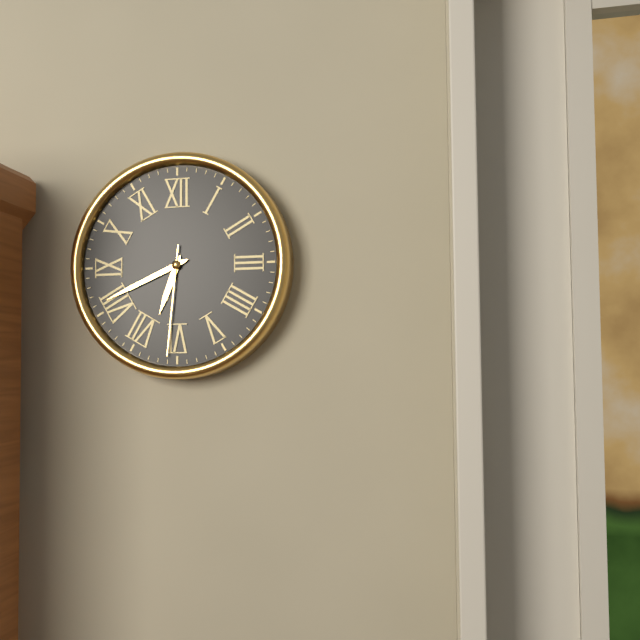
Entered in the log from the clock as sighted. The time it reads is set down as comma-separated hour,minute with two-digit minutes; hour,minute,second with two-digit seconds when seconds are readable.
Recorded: 6,41,31
